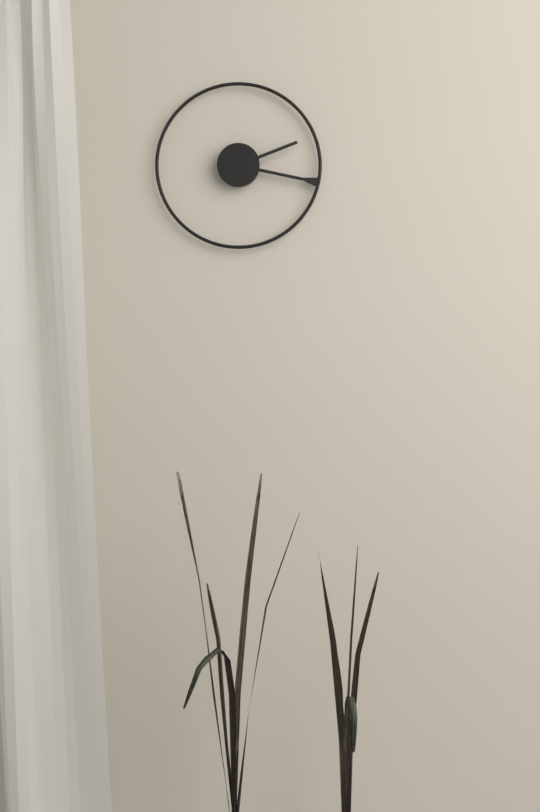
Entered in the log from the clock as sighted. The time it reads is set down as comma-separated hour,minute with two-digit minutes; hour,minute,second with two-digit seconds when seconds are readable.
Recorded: 2,17
